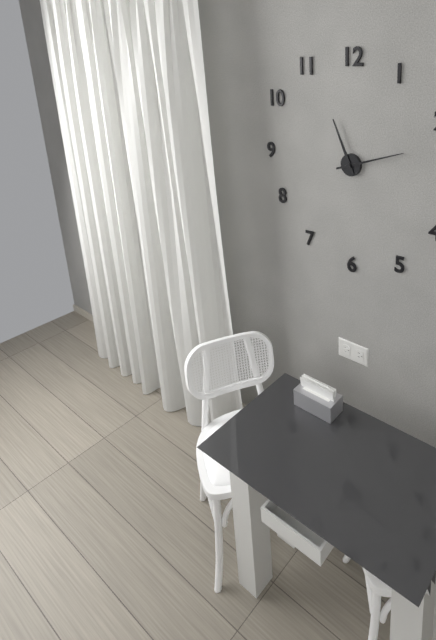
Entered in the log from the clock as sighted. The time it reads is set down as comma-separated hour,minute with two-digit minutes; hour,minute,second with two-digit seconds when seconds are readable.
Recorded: 11,12
